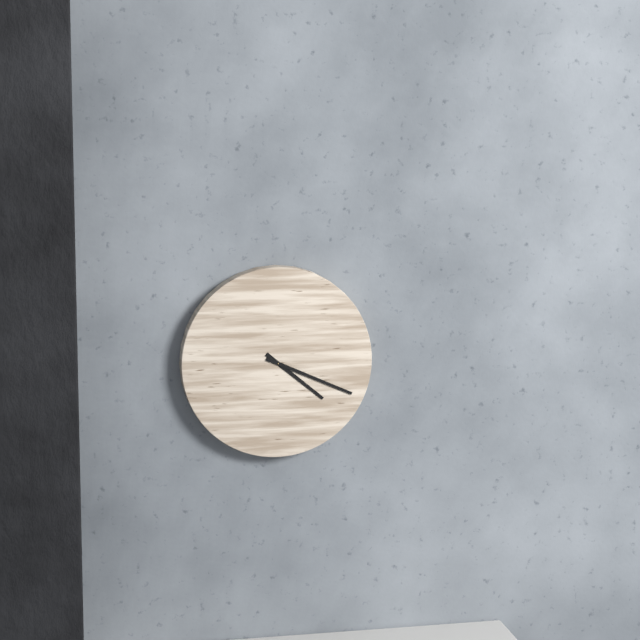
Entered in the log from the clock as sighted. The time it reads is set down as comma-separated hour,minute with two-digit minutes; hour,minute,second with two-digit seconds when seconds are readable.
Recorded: 4,19
